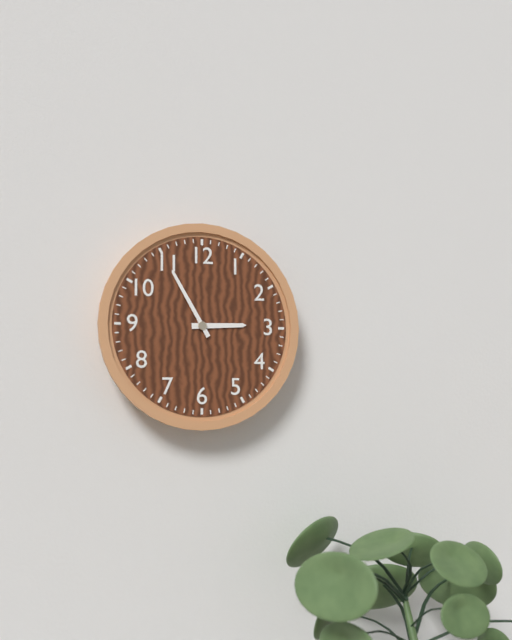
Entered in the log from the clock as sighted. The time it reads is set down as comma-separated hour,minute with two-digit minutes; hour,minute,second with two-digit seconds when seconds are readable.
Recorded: 2,55
